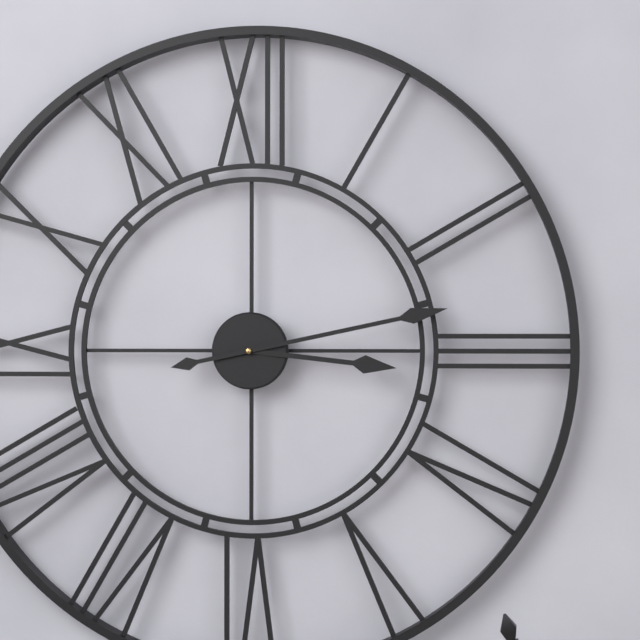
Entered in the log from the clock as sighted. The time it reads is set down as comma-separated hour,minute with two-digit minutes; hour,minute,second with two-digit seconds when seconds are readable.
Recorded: 3,13
